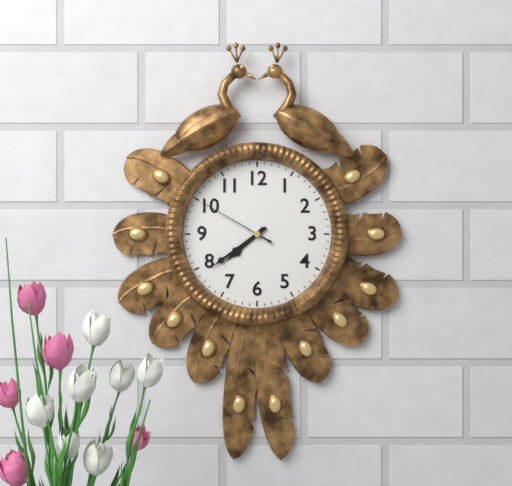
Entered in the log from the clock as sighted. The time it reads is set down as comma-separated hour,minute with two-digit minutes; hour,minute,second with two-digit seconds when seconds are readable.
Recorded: 7,39,50
